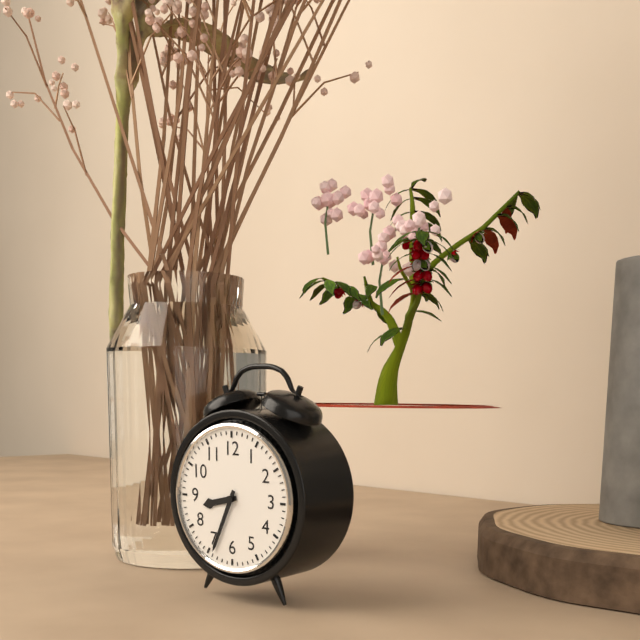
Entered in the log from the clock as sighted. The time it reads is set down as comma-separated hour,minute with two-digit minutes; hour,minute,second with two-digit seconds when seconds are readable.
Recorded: 8,34
